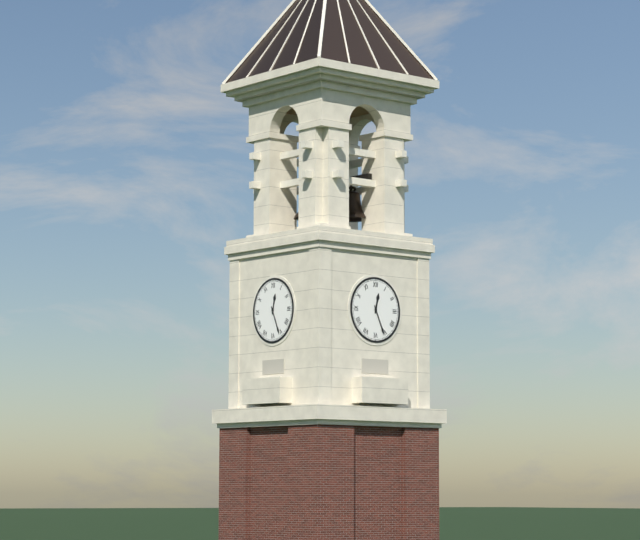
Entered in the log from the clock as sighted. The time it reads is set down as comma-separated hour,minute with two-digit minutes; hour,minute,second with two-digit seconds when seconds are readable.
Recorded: 12,26
